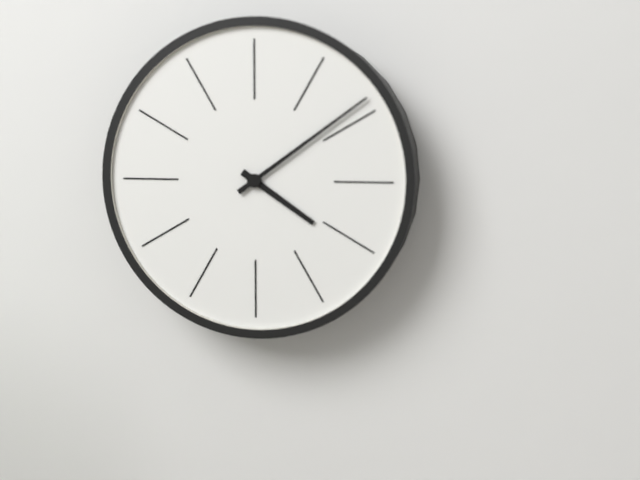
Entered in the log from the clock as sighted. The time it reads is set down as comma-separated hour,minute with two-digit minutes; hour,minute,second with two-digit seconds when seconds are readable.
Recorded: 4,09
